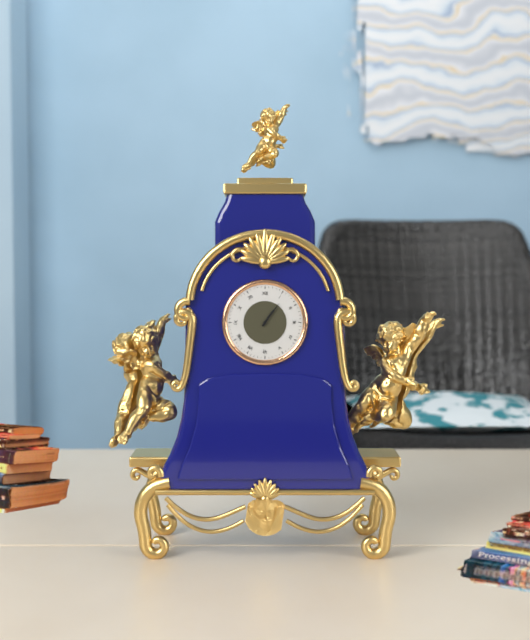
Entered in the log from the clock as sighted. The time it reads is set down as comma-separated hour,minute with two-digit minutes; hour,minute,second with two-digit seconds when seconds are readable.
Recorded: 1,06
